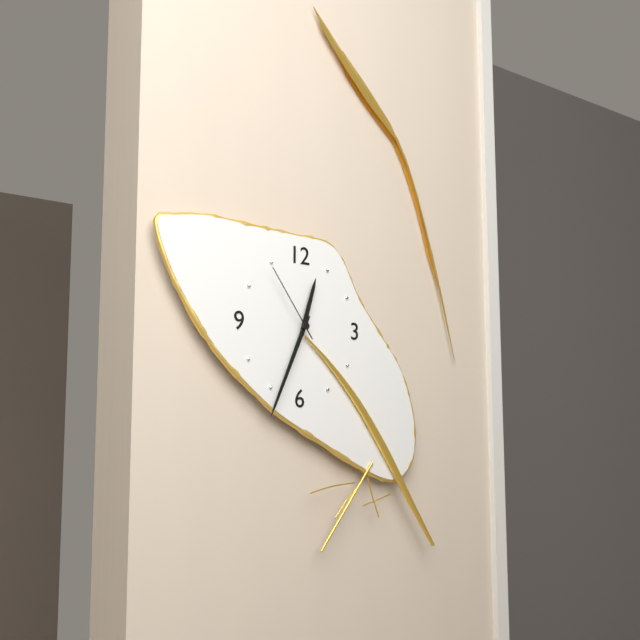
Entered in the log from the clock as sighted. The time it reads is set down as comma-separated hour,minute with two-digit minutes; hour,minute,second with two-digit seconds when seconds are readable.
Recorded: 12,34,54
